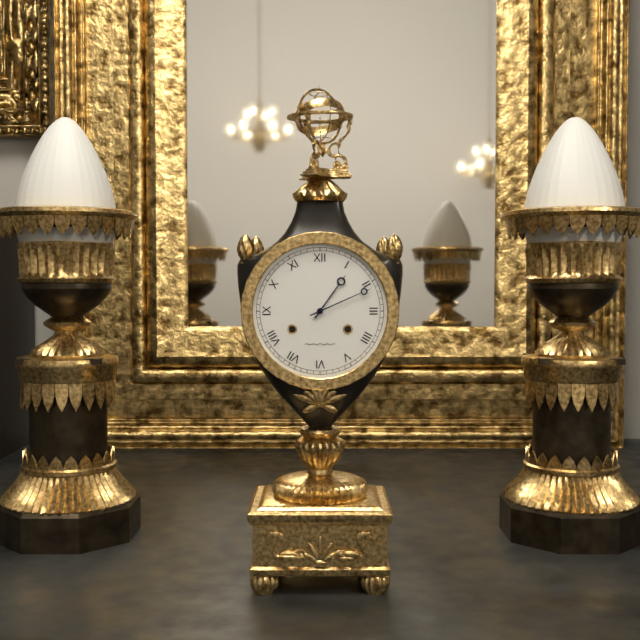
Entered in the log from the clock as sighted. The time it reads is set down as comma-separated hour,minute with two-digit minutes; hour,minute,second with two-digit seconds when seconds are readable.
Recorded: 1,11
